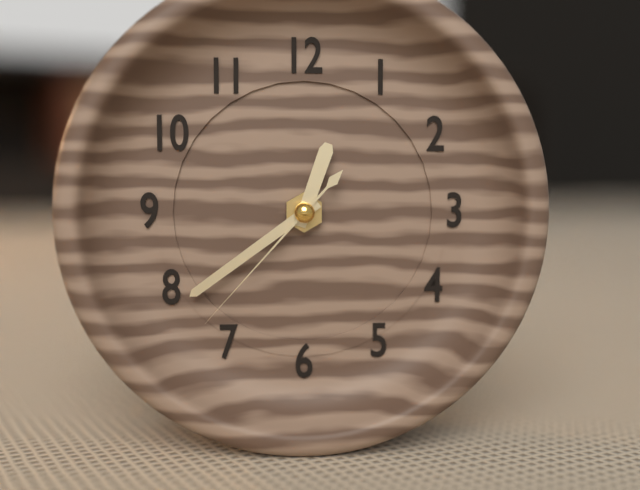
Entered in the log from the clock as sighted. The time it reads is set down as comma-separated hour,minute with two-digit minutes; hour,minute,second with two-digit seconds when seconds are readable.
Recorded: 12,39,37
